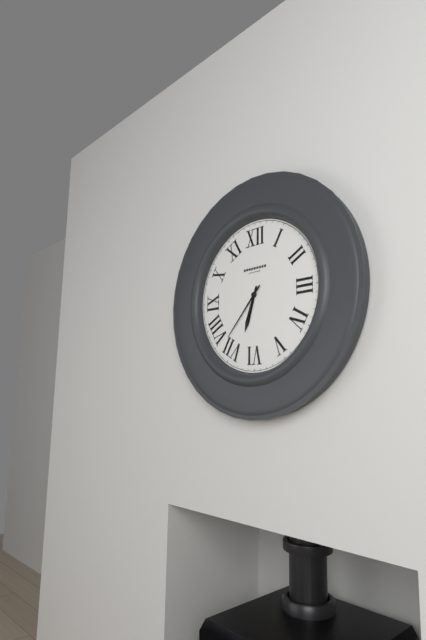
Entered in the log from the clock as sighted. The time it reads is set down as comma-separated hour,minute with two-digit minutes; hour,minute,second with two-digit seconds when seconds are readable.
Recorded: 6,37
